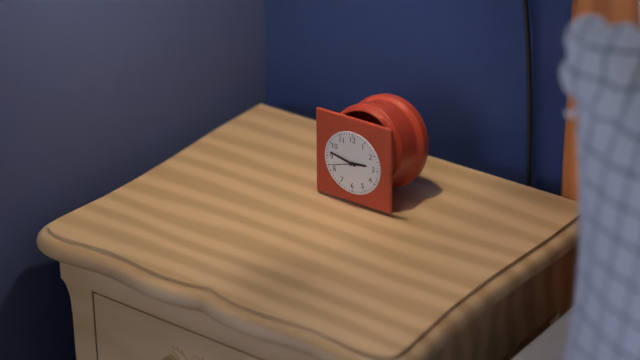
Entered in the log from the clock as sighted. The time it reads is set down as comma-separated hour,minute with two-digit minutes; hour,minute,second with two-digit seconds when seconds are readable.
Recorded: 2,47
